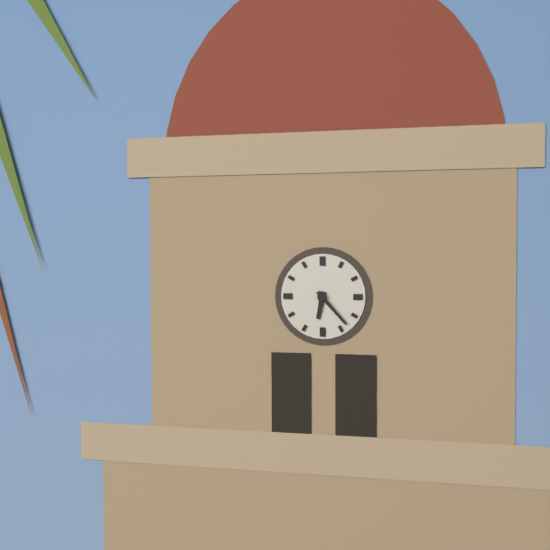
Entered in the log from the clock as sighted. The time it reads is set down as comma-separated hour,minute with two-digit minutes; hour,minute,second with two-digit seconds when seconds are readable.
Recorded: 6,23
